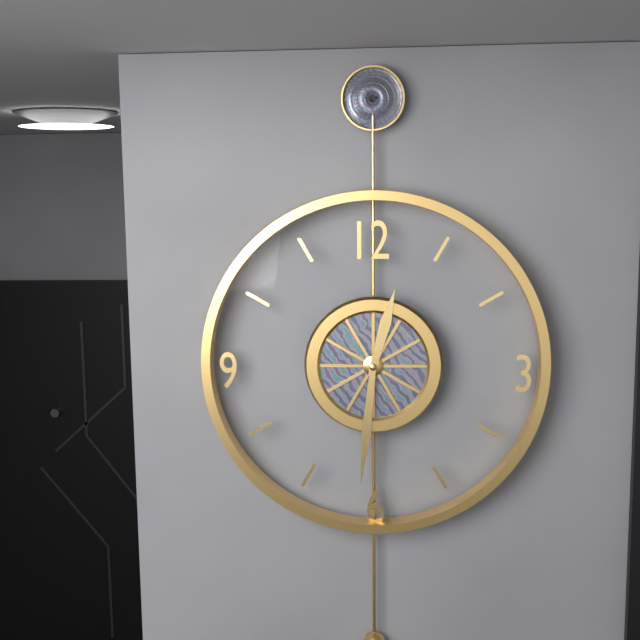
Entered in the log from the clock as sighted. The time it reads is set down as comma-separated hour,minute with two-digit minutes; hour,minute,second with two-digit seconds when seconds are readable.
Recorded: 12,31
